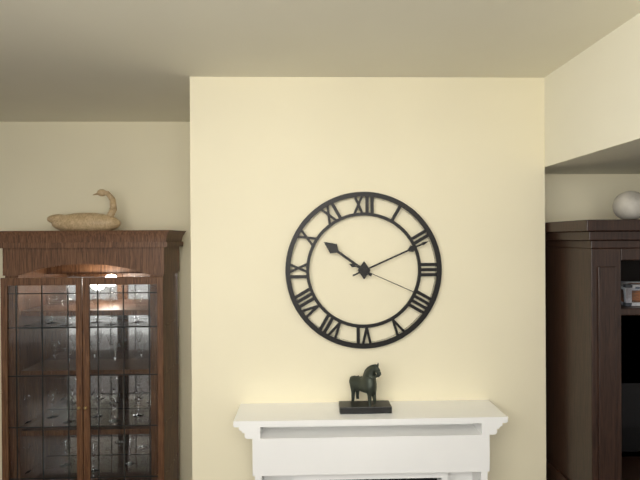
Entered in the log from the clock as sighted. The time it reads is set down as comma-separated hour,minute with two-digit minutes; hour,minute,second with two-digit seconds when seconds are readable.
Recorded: 10,11,19
